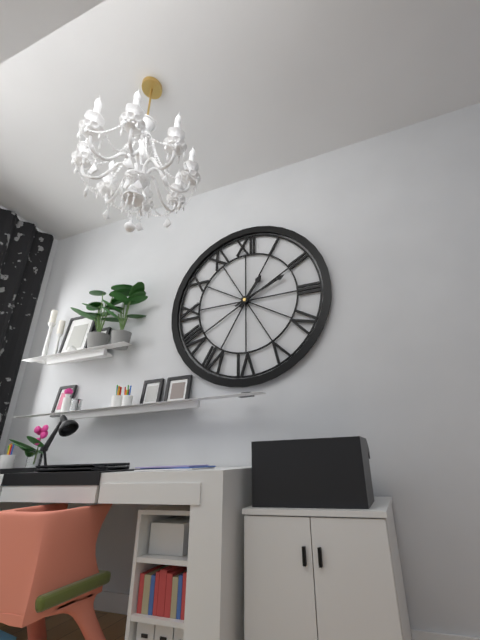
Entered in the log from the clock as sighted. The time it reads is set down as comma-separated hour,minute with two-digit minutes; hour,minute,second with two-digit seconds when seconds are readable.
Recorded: 1,11
